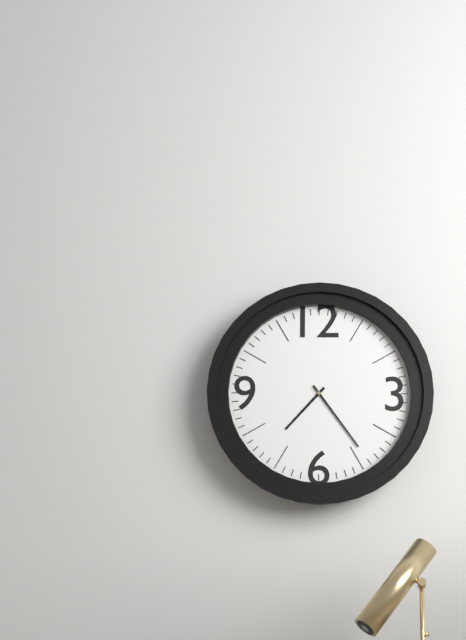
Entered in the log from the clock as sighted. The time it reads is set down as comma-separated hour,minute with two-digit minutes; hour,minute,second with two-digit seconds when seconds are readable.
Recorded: 7,24
